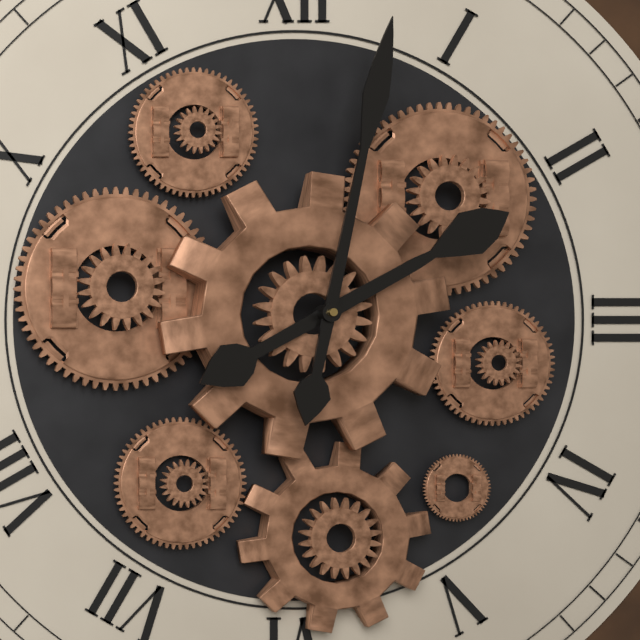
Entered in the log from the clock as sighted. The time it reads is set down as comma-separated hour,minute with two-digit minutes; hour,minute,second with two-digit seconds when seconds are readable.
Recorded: 2,02
